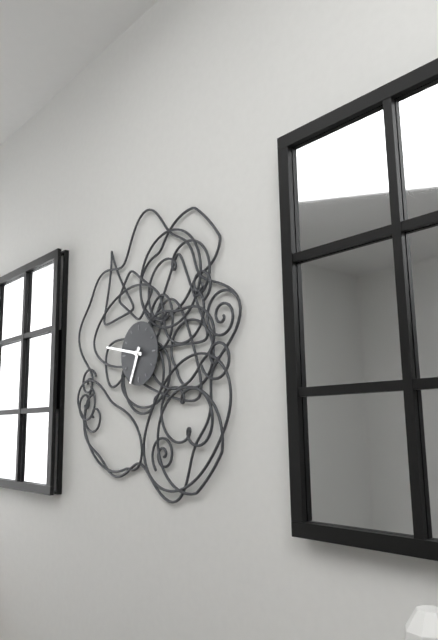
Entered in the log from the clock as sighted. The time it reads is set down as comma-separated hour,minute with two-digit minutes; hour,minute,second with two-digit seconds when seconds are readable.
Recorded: 6,47
